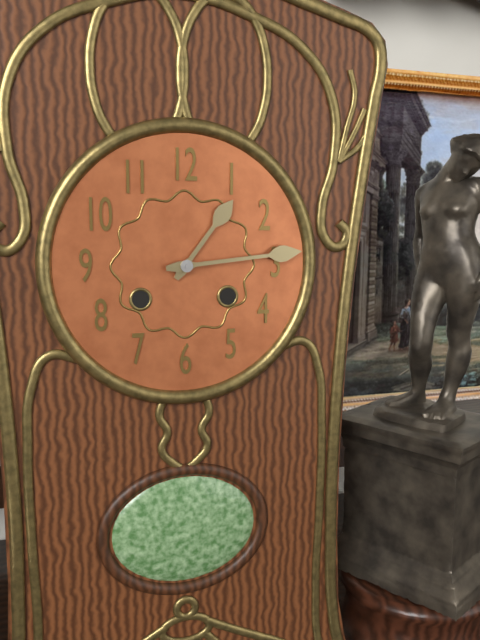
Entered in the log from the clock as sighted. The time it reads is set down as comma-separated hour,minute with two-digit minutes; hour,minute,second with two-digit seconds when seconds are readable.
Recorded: 1,14
